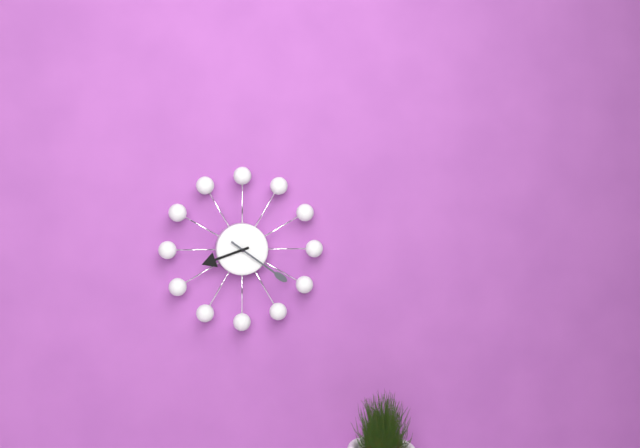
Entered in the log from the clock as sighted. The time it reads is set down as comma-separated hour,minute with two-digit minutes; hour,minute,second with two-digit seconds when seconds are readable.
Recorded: 8,21
